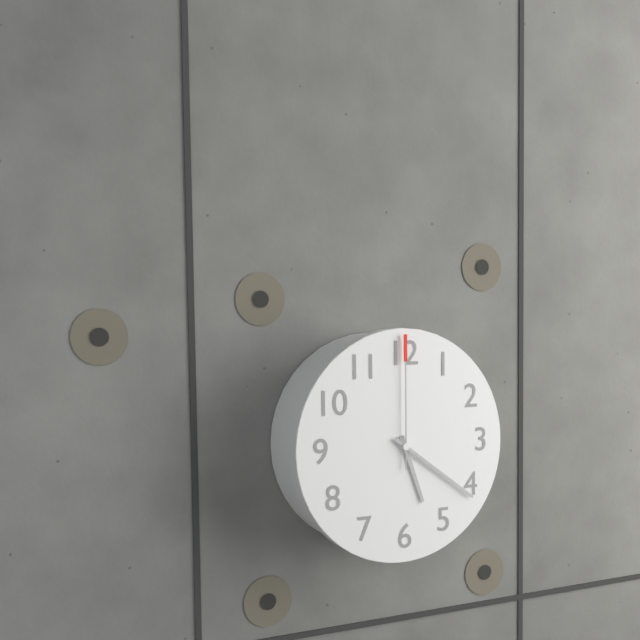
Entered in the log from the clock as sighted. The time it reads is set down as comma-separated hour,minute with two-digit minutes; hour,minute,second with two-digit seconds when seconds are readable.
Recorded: 5,21,00
